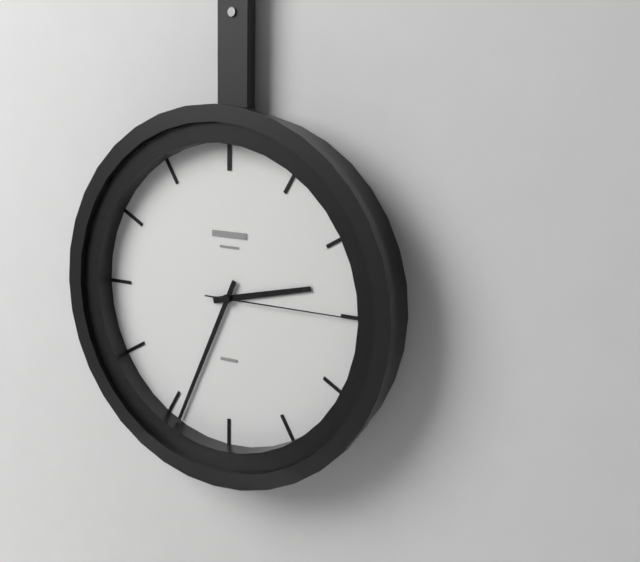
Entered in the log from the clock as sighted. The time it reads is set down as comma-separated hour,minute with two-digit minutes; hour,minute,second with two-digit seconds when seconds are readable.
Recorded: 2,34,15
